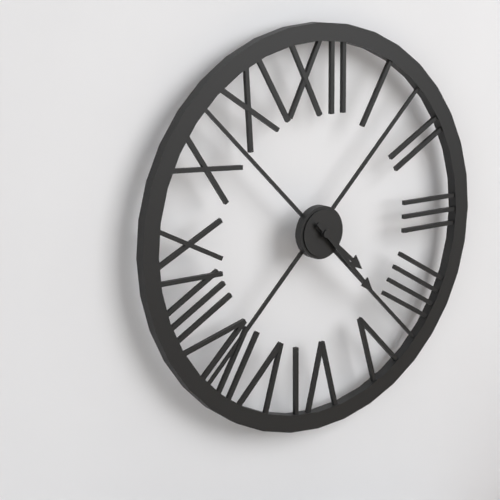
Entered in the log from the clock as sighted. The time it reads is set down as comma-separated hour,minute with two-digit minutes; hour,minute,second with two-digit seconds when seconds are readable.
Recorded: 4,23
